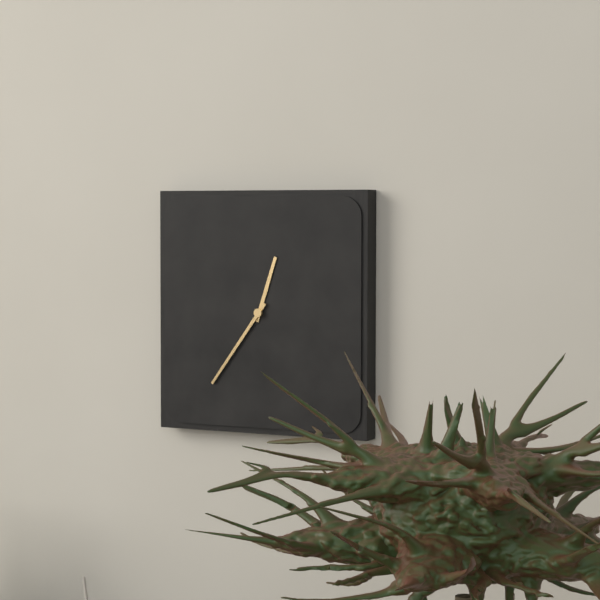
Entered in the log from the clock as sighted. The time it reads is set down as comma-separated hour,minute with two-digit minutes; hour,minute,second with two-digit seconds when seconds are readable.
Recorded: 12,36
